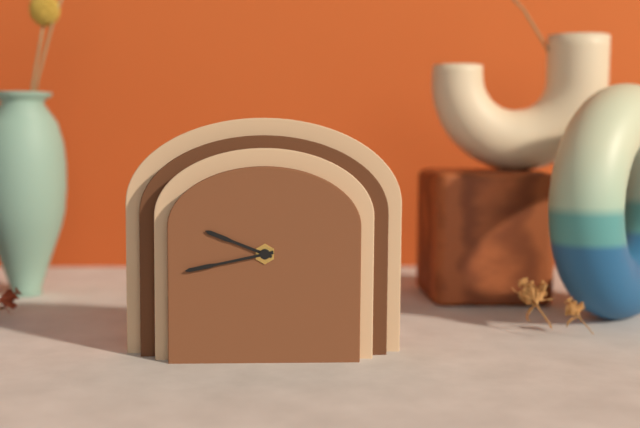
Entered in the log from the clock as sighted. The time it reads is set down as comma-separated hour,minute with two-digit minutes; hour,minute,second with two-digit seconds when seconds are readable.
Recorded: 9,43
